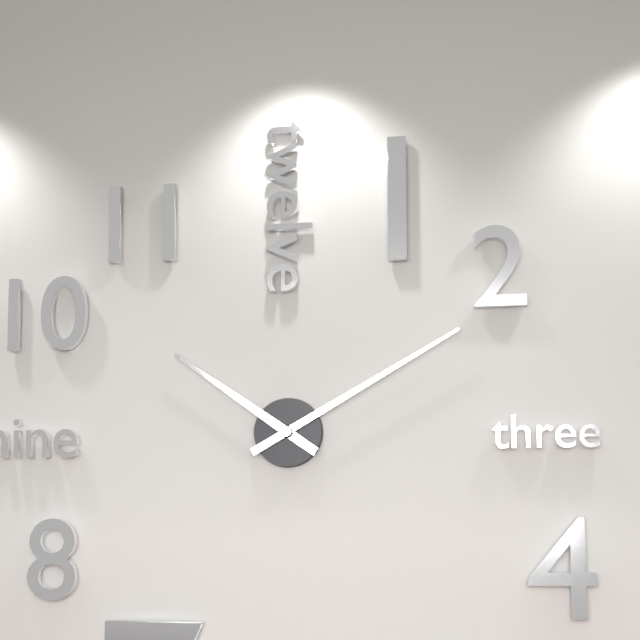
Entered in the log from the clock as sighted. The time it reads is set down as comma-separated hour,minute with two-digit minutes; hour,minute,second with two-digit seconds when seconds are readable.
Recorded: 10,10
